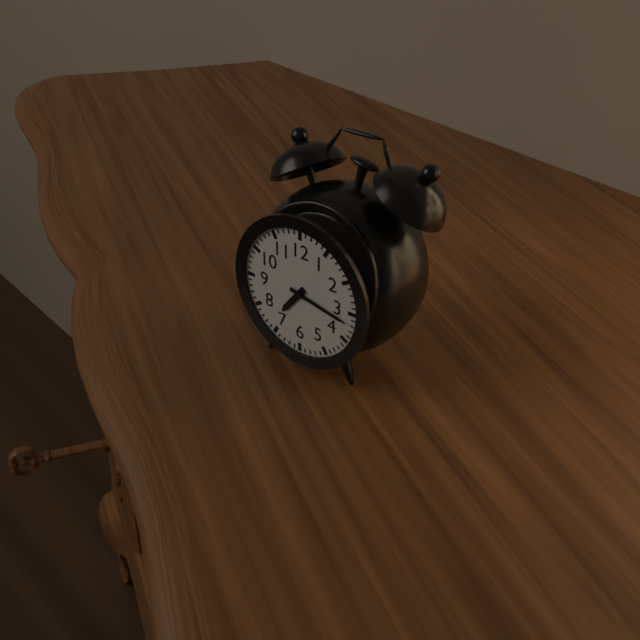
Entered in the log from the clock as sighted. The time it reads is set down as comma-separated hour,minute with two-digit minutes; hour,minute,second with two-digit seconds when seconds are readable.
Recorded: 7,17
